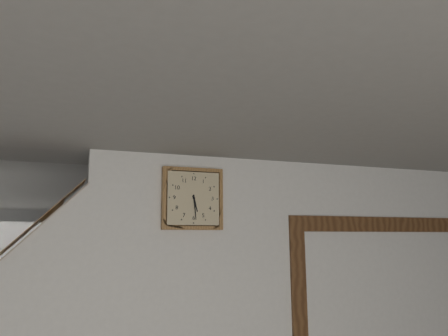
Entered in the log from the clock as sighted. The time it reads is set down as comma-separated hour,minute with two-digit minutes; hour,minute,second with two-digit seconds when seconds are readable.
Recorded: 5,29
